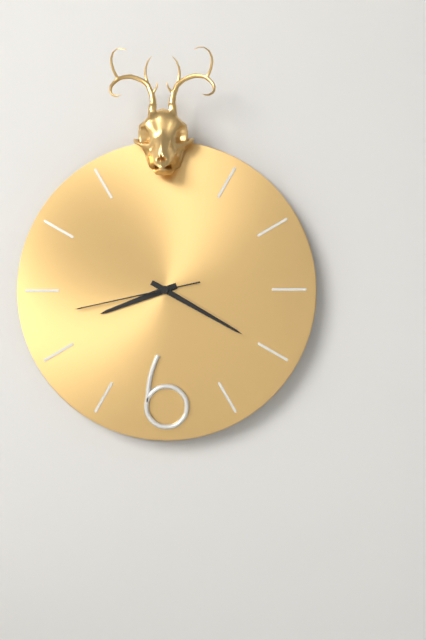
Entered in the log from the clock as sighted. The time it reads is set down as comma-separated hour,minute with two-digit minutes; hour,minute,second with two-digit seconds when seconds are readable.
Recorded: 8,20,43
